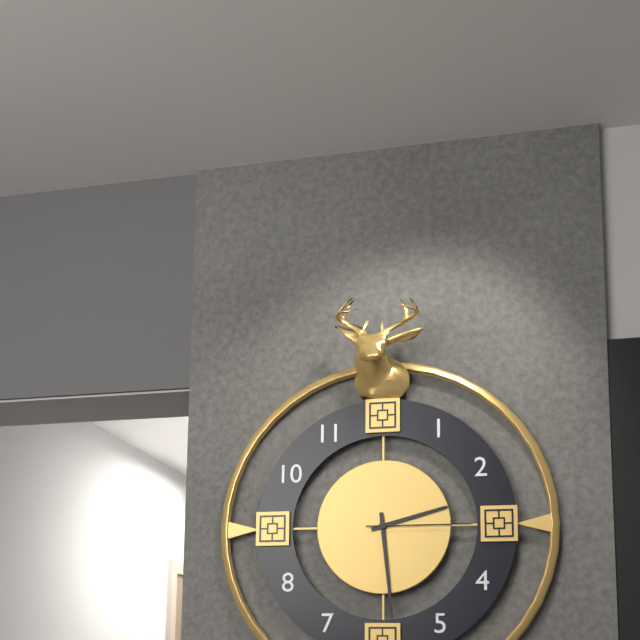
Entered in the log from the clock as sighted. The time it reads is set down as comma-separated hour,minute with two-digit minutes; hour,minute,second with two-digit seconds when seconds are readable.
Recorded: 2,29,15
